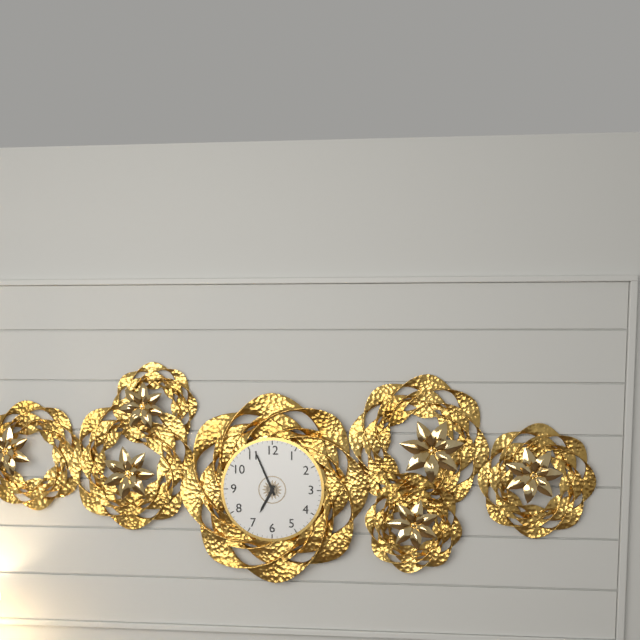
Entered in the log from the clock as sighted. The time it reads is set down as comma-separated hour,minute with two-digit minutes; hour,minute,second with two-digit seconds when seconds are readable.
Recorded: 6,56
